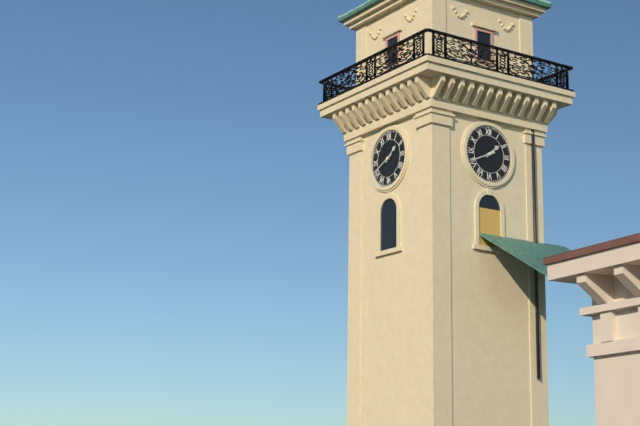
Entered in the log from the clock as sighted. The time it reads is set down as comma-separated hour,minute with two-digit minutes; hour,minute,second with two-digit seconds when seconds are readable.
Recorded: 1,41
